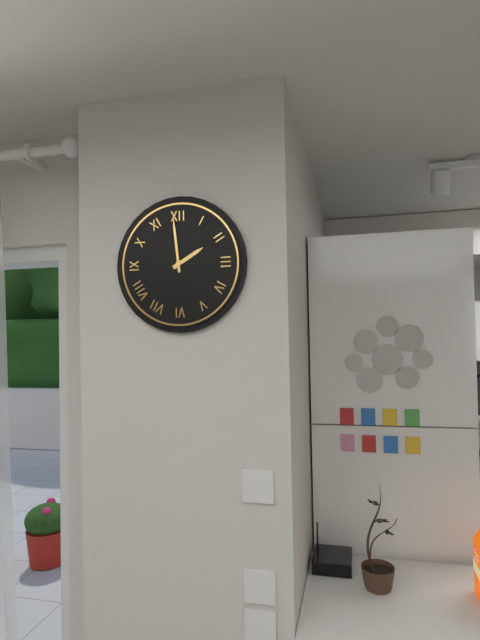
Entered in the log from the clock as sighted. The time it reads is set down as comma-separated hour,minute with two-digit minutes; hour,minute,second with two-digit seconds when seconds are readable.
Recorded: 1,59
